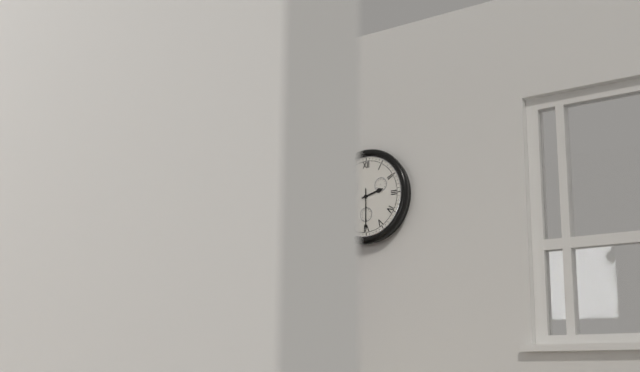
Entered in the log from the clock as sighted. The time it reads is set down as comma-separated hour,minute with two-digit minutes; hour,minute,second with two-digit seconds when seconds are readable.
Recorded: 2,30
